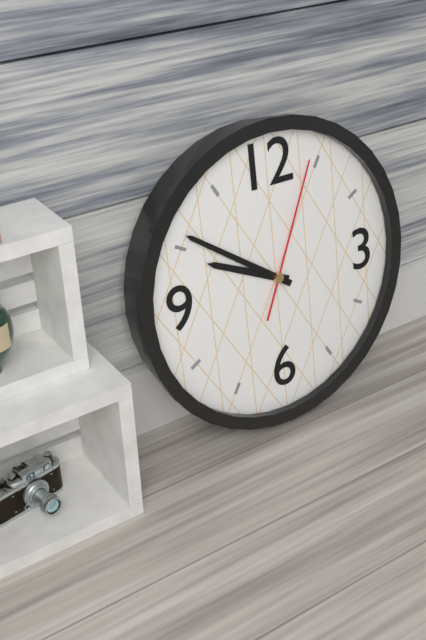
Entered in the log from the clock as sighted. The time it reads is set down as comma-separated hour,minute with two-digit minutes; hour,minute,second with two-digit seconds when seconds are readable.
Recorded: 9,51,04
